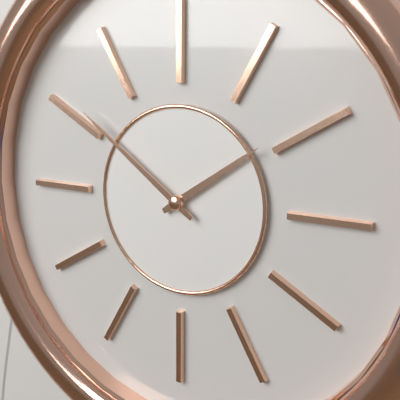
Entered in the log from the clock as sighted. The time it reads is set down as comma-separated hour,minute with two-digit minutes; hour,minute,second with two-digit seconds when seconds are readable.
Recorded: 1,51
